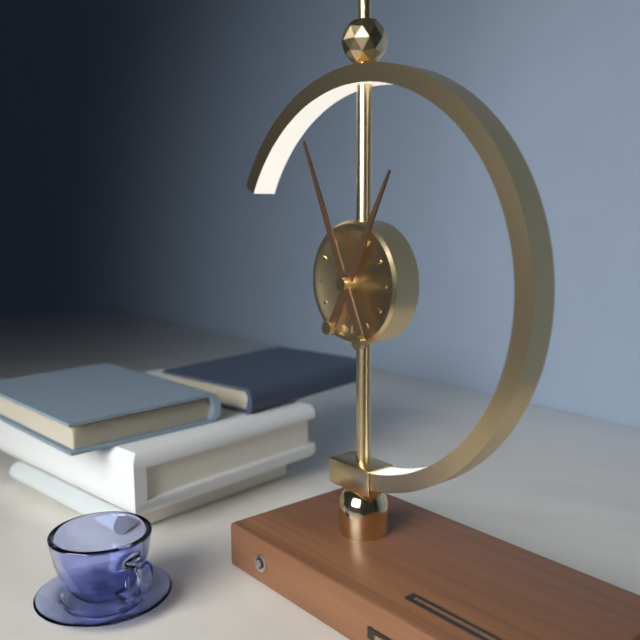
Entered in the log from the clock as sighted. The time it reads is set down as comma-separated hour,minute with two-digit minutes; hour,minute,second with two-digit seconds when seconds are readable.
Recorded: 12,56
